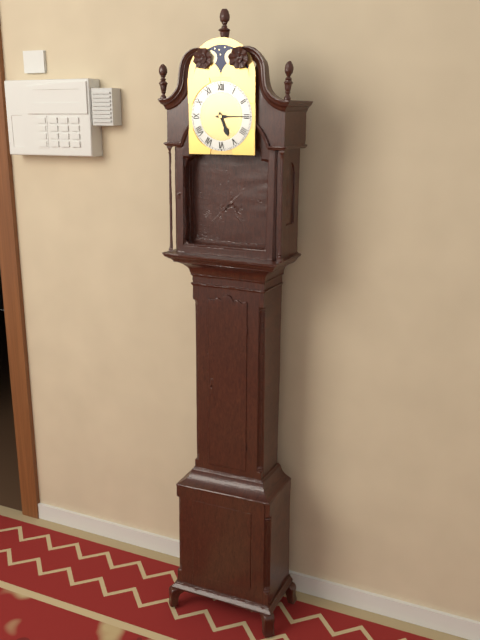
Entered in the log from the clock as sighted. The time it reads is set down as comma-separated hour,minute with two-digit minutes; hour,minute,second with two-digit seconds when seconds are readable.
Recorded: 5,15
